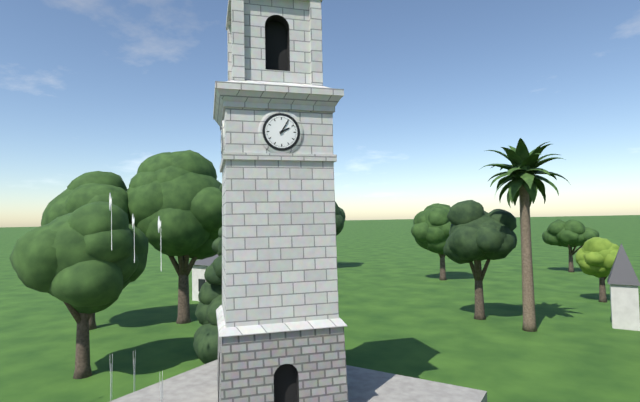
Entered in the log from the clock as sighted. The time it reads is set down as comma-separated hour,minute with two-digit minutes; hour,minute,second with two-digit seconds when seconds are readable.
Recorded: 2,05
